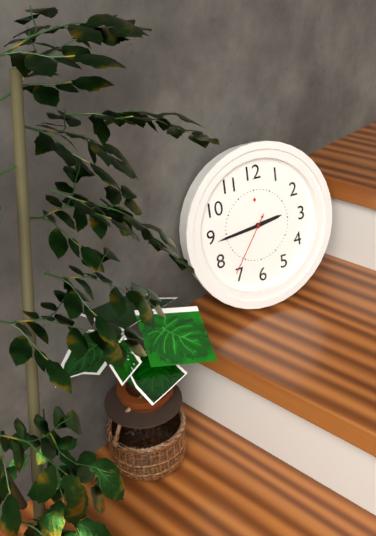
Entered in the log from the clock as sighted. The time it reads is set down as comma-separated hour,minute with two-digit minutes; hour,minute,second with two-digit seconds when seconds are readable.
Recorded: 2,44,36
